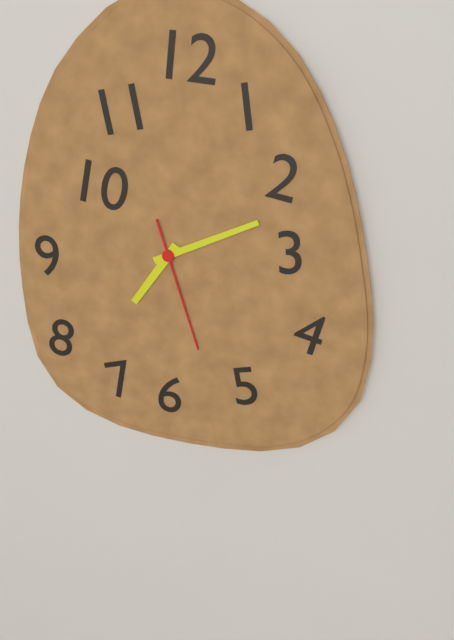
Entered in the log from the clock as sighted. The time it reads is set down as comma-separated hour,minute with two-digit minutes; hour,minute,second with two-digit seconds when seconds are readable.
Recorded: 7,11,27
